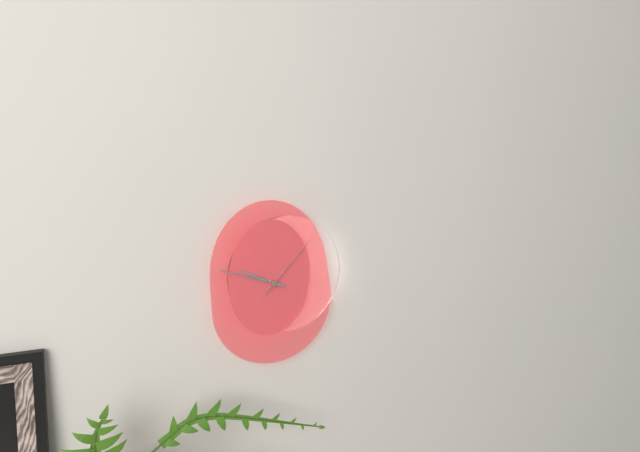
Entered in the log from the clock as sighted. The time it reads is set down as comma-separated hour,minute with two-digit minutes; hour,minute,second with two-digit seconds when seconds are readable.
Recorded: 9,48,07
